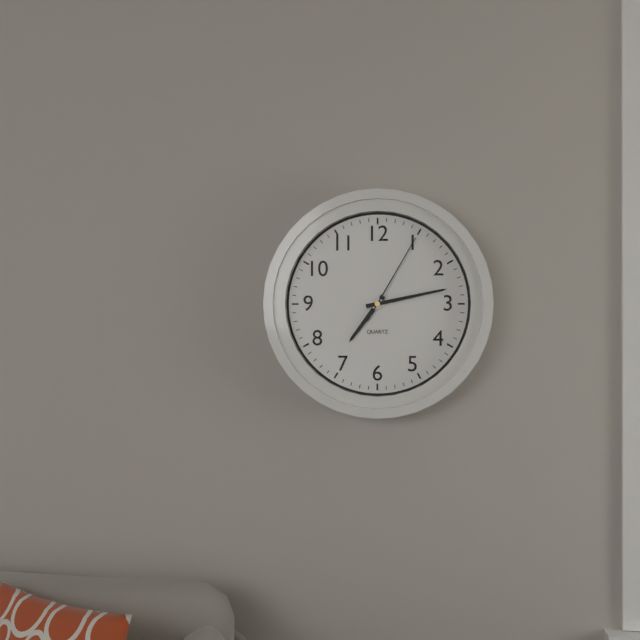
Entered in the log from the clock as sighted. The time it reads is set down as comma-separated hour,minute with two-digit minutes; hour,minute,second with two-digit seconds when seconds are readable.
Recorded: 7,13,05
